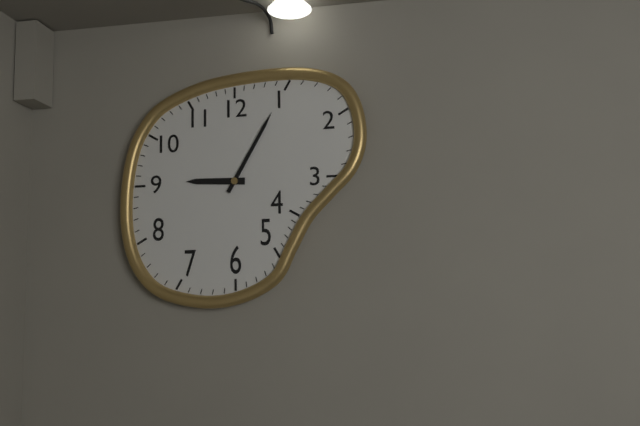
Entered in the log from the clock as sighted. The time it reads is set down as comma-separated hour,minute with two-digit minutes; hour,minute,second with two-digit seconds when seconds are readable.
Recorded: 9,05
